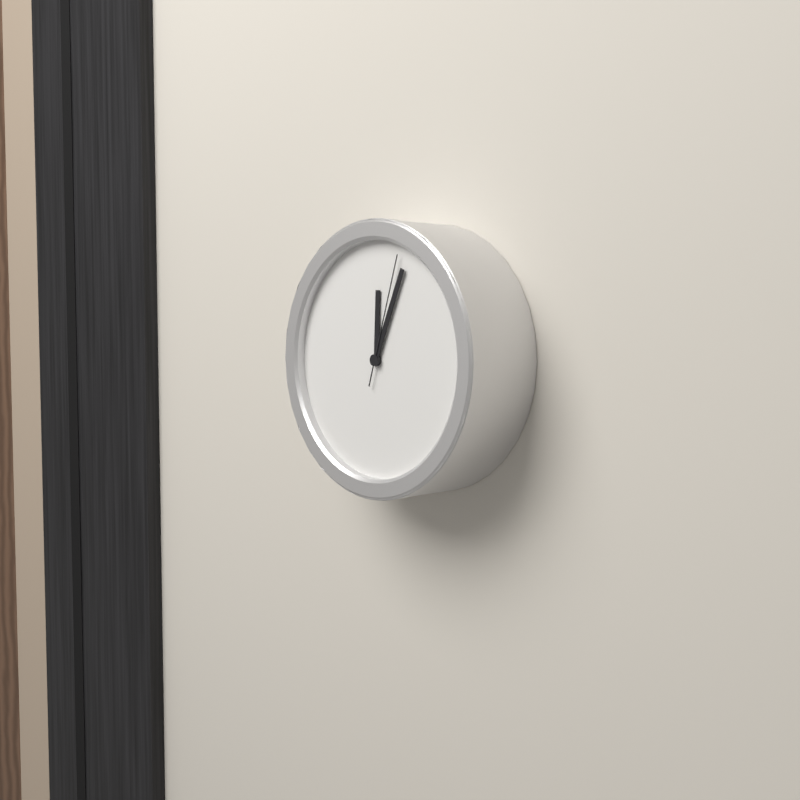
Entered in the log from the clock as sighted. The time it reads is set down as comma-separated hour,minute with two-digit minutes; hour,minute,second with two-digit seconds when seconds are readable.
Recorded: 12,04,03
